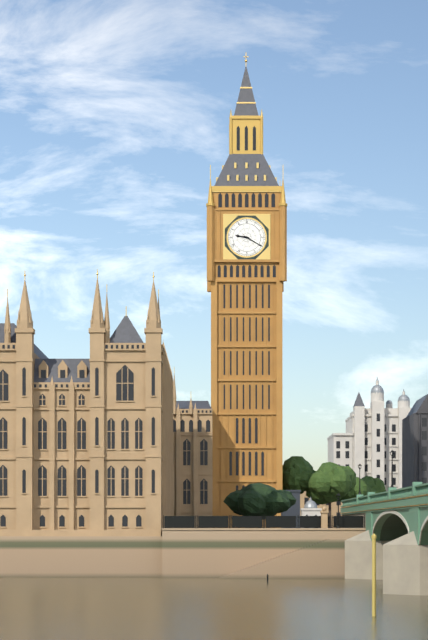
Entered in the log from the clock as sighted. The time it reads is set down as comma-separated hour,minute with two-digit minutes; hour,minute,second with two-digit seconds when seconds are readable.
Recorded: 9,20
